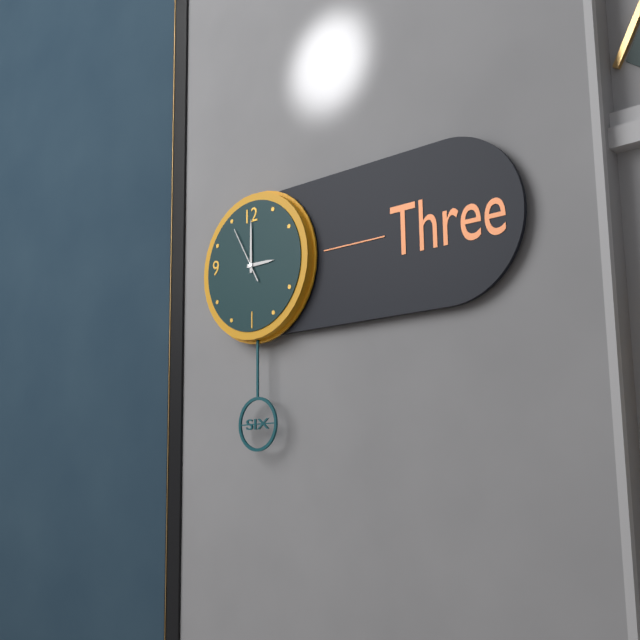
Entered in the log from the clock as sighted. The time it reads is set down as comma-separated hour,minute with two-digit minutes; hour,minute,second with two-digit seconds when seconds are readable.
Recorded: 3,00,55
